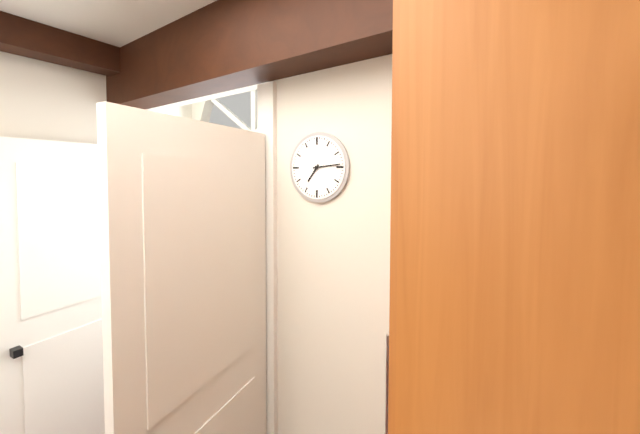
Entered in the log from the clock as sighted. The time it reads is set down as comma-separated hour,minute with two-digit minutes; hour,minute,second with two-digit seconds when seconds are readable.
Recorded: 7,14
